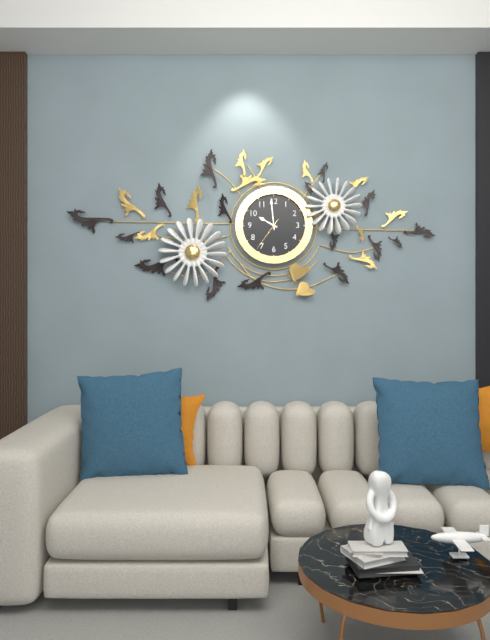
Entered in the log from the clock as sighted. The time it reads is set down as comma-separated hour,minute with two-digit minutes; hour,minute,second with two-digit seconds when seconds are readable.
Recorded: 9,59
